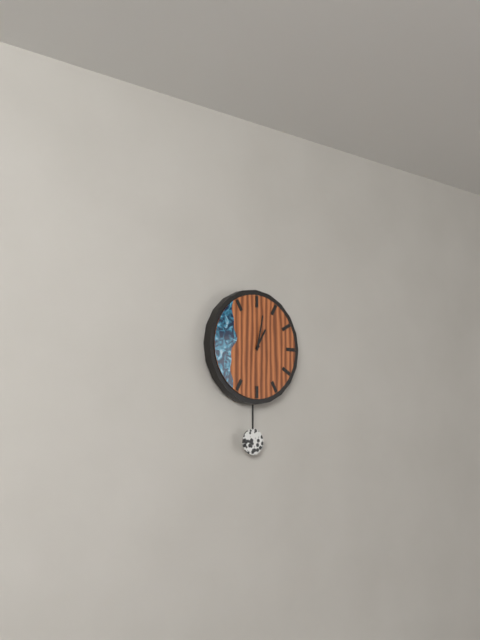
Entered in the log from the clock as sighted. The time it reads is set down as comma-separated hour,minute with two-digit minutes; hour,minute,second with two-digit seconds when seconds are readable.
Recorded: 1,02
